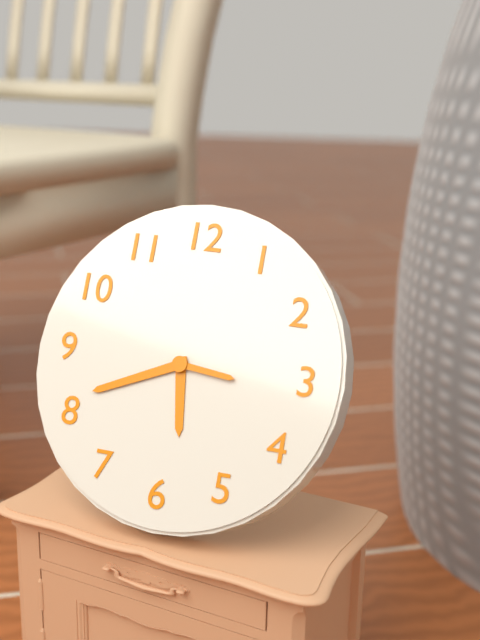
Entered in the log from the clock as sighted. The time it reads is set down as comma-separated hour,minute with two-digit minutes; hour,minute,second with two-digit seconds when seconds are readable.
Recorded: 5,41,16
